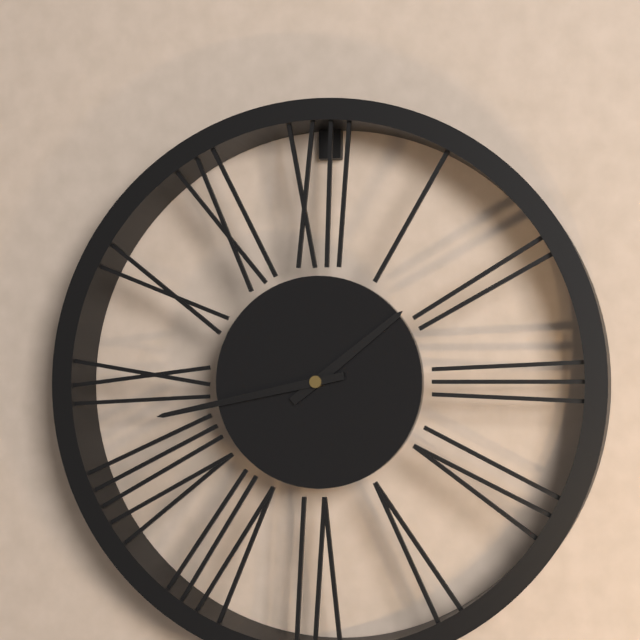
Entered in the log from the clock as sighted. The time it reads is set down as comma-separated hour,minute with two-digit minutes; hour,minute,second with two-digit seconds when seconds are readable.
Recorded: 1,43
